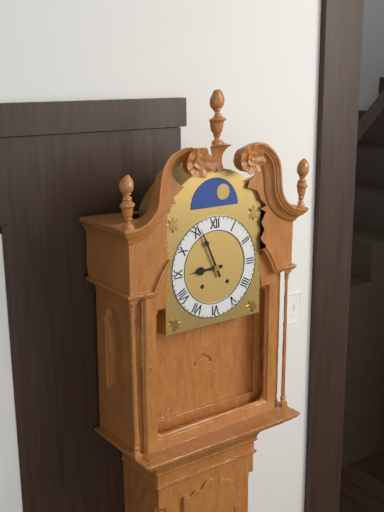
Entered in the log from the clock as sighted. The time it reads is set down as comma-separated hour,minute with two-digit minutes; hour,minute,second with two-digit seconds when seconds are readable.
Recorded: 8,56
